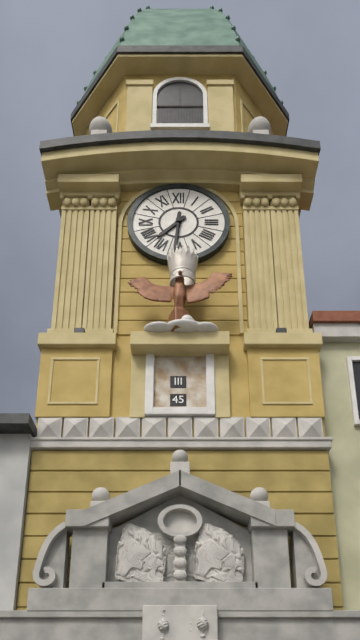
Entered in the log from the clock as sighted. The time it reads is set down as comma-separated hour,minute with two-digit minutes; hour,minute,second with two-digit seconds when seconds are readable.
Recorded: 7,31
